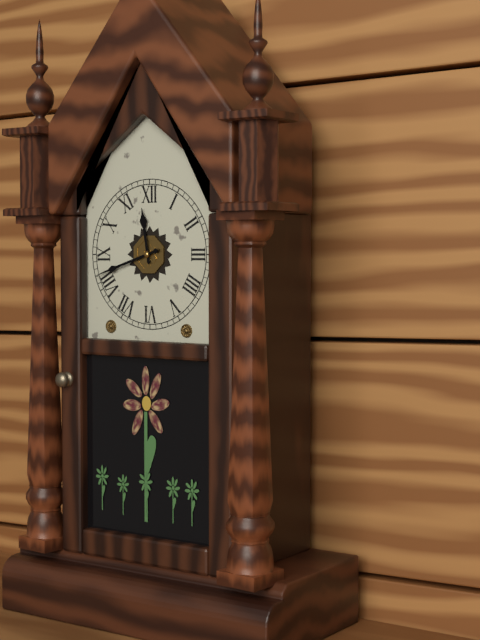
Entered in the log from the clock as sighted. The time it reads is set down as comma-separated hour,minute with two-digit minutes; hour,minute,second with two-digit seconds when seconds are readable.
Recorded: 11,42
